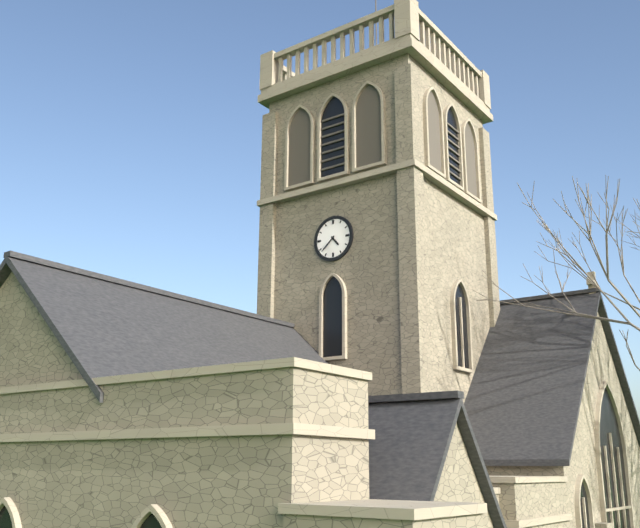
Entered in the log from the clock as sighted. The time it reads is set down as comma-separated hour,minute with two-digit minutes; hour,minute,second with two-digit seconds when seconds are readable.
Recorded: 4,38
